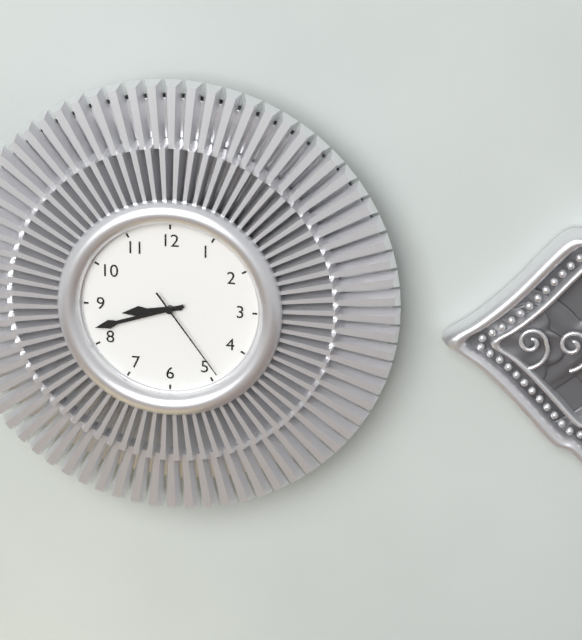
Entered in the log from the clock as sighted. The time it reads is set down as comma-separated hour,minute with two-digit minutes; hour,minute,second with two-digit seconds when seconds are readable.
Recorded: 8,42,24
